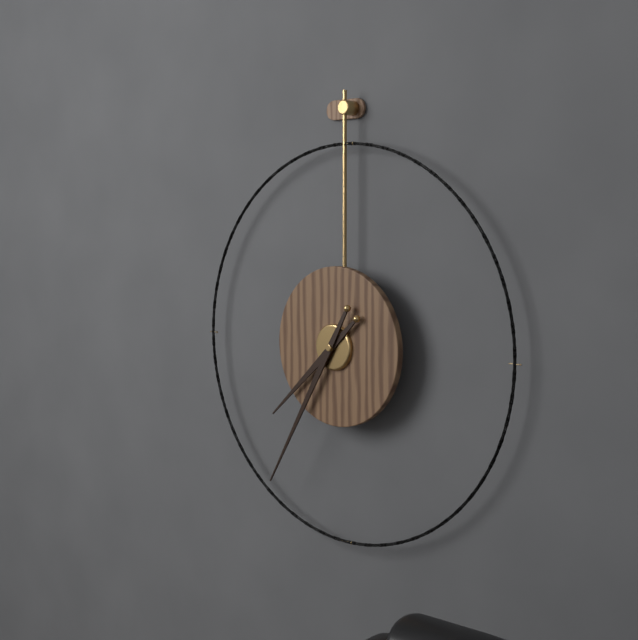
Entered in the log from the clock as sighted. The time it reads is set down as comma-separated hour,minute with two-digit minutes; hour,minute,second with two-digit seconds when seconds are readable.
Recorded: 7,35
